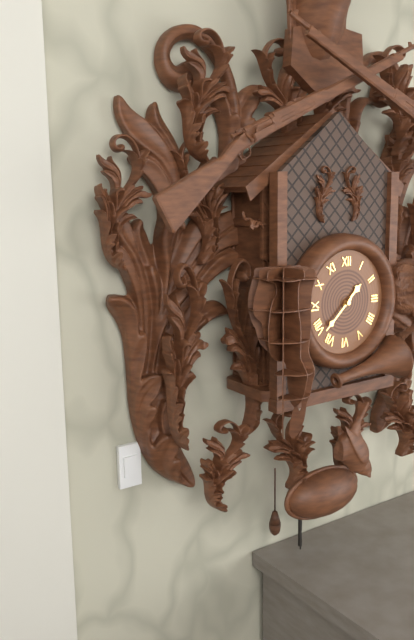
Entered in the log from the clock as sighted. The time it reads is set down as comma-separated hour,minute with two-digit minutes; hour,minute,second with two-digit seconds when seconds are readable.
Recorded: 1,38
